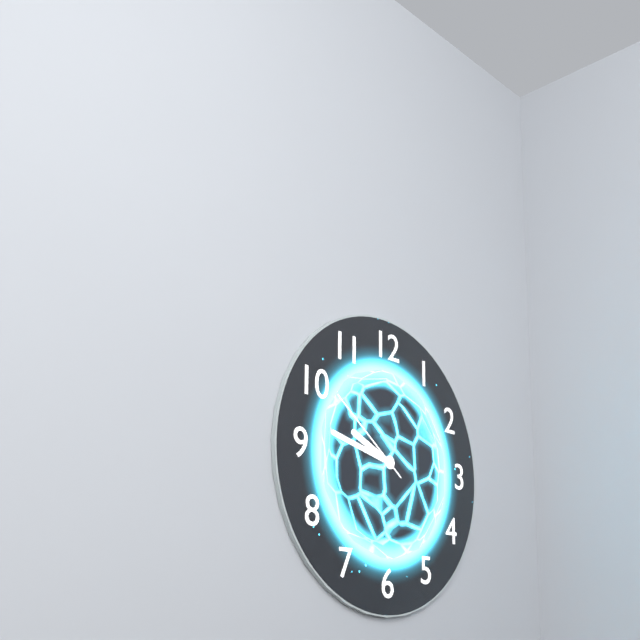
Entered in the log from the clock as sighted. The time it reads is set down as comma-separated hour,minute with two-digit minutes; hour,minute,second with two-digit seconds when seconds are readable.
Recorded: 9,47,51
